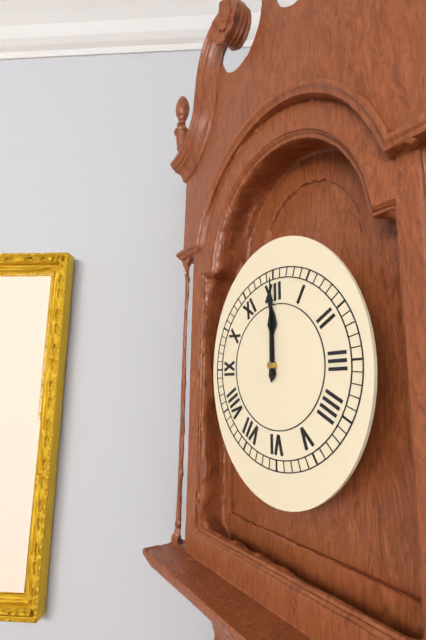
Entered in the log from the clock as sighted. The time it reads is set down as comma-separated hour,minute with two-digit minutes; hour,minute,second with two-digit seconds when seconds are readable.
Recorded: 12,00
